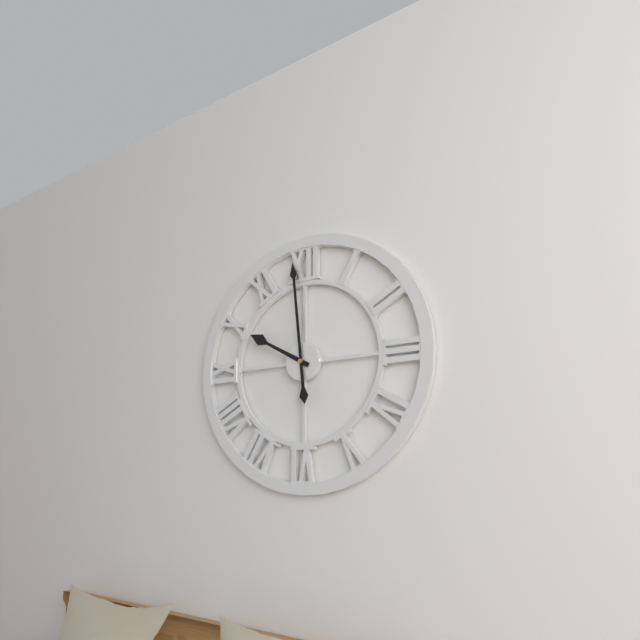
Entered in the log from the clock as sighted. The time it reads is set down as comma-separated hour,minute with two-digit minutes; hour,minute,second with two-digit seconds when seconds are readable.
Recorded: 9,59
